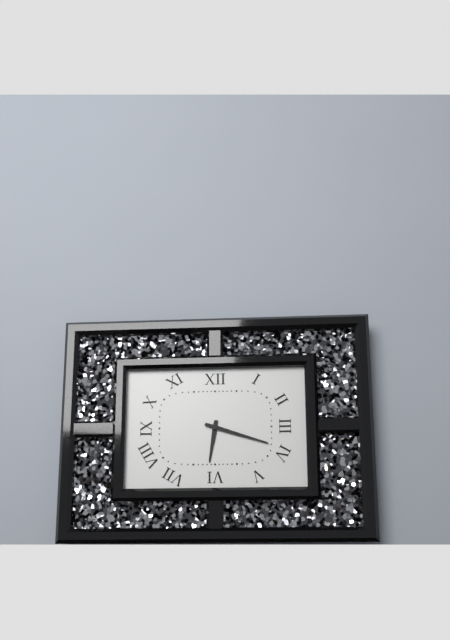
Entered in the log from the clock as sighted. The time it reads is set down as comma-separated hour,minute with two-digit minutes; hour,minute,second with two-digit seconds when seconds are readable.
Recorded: 6,18
